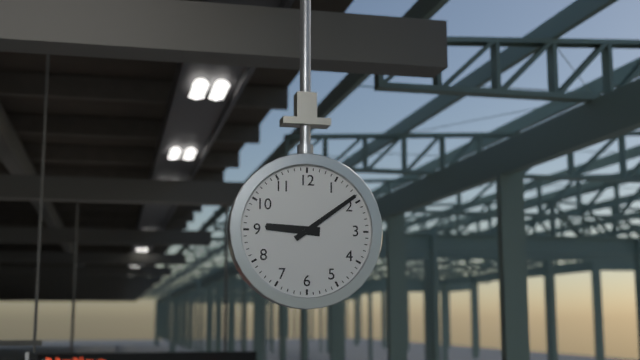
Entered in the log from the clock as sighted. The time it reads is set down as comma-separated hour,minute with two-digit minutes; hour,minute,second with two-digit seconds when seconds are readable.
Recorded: 9,09
